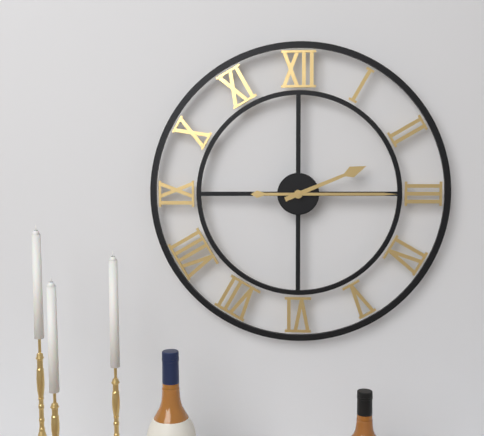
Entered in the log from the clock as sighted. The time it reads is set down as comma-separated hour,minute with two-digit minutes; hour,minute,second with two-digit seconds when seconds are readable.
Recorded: 2,15
